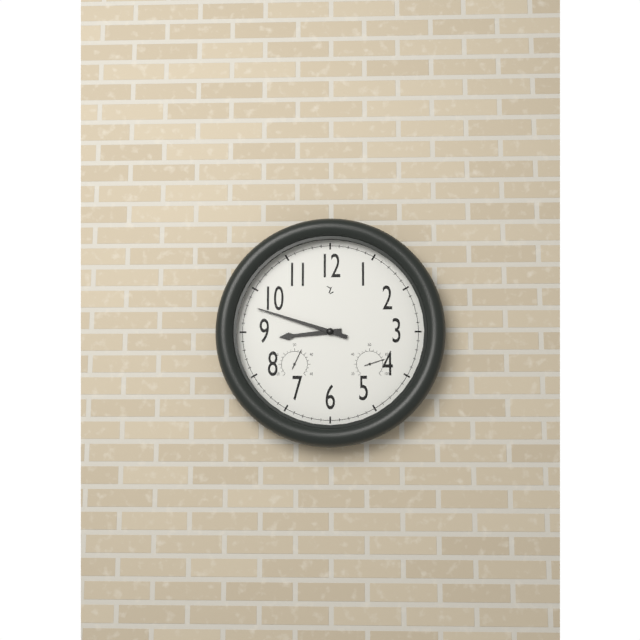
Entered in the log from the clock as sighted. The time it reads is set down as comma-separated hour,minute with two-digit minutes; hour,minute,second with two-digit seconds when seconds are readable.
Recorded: 8,48
